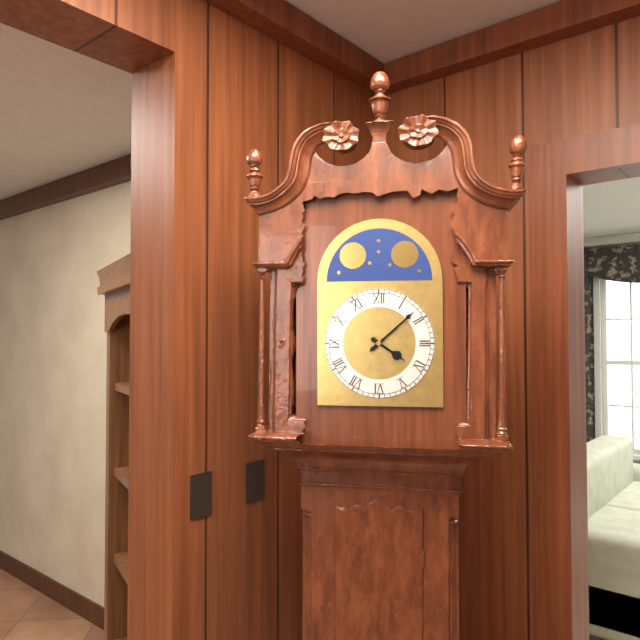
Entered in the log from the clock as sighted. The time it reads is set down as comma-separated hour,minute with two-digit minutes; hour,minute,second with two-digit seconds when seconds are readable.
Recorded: 4,08
